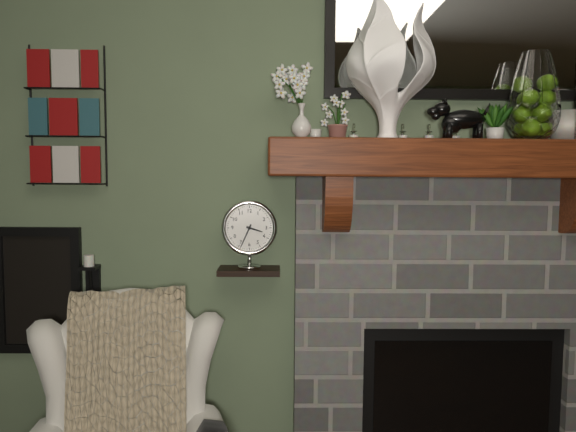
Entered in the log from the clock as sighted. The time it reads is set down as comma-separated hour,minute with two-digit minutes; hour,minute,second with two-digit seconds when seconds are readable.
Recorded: 3,34
